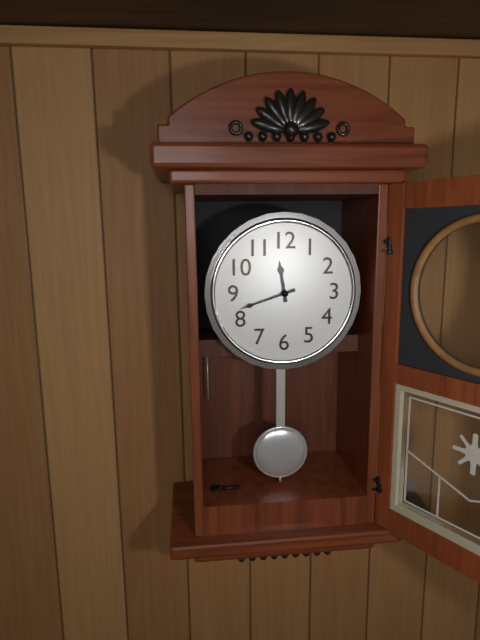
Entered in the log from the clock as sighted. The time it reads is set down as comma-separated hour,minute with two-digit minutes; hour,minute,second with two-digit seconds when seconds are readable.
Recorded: 11,42
